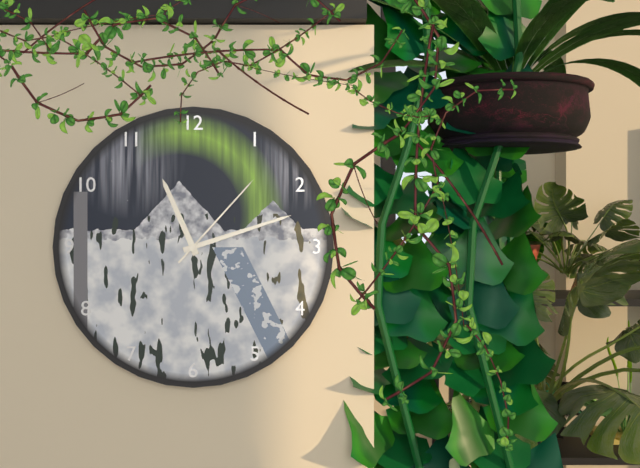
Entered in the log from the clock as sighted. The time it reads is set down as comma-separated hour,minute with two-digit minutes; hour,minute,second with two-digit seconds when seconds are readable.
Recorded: 11,12,07
